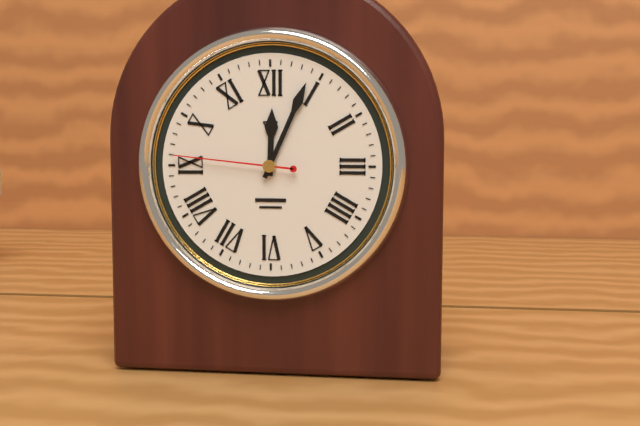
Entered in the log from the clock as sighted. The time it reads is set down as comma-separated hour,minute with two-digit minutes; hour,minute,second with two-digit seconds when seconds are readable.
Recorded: 12,04,46
